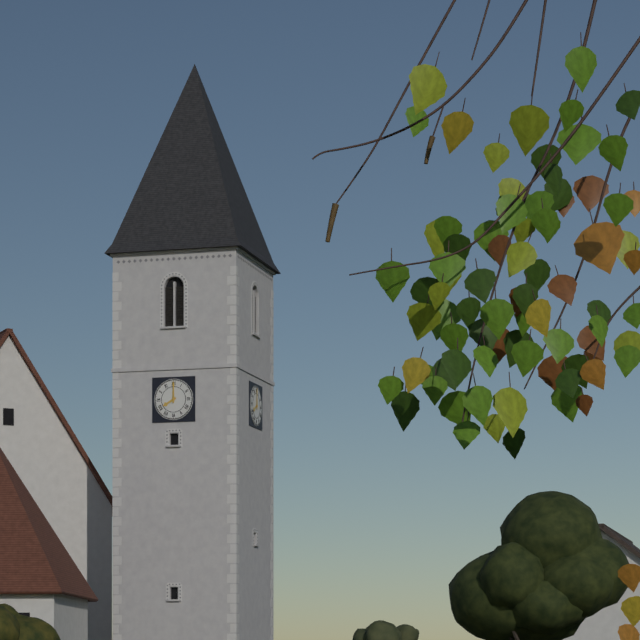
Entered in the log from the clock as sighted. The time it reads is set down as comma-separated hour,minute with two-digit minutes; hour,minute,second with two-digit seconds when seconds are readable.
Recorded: 8,00
